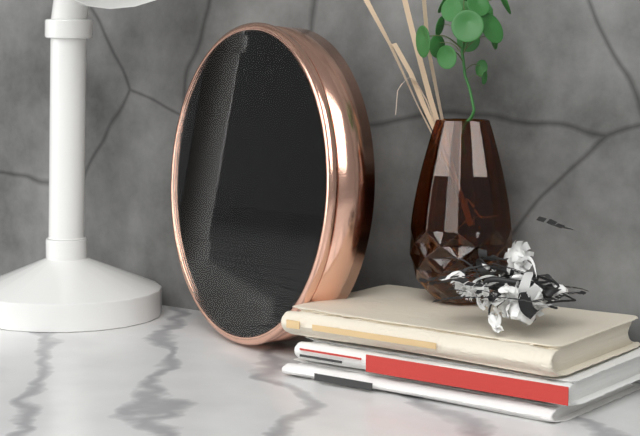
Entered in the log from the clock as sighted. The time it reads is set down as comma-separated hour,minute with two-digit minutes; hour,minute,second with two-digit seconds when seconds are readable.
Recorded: 8,23,20
